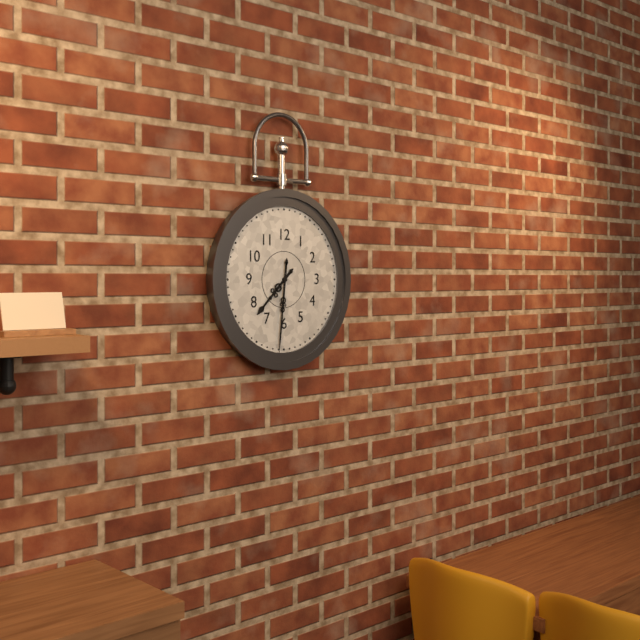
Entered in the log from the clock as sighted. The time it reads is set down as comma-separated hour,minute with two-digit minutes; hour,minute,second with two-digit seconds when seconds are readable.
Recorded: 7,31
